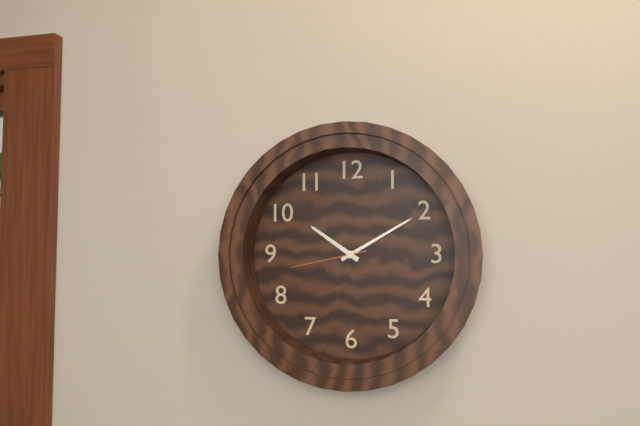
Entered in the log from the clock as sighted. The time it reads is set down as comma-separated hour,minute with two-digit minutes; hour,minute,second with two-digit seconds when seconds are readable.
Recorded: 10,10,43
